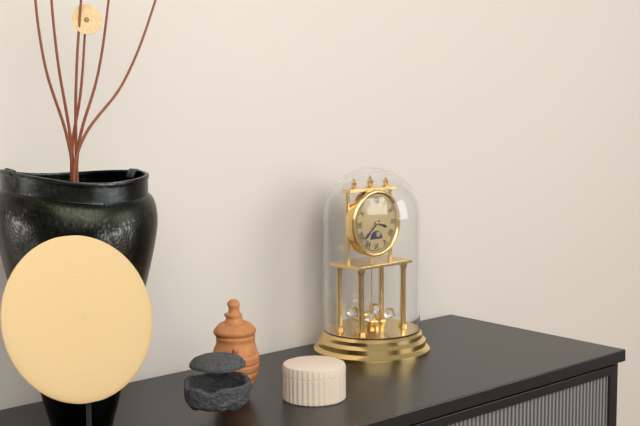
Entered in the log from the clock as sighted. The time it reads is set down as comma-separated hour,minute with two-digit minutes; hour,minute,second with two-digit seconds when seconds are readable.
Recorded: 3,38
